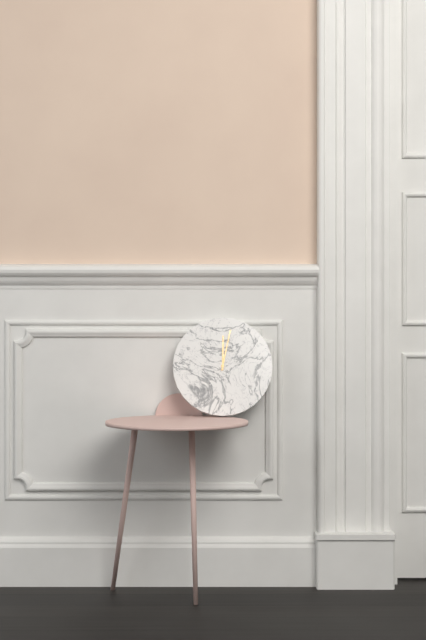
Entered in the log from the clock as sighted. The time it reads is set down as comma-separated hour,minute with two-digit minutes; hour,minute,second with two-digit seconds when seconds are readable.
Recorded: 12,02
